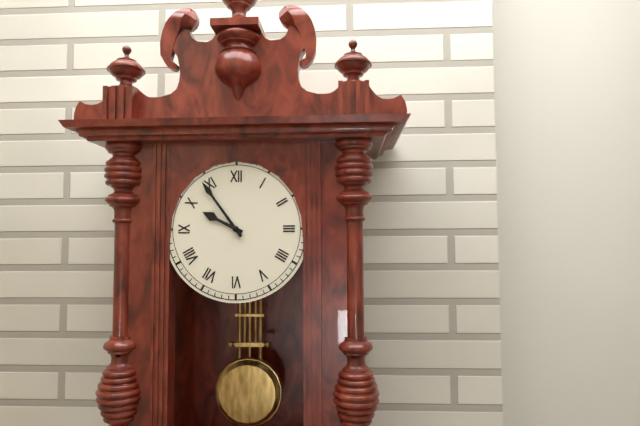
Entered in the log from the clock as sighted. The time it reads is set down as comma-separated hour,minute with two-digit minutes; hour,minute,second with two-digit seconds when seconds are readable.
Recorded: 9,54
